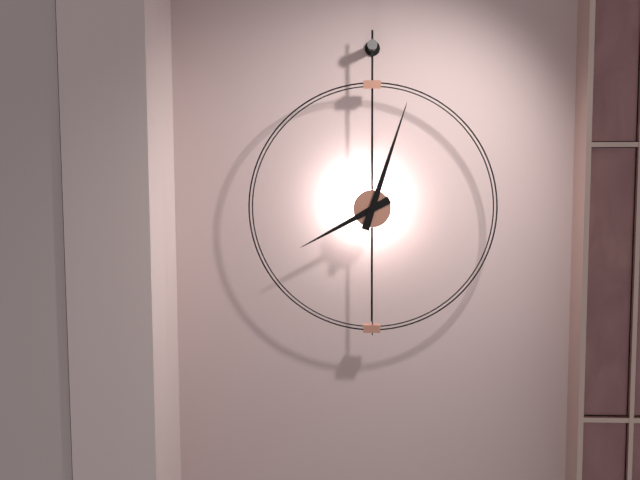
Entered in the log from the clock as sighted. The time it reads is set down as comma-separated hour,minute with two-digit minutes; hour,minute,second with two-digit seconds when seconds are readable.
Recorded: 8,03
